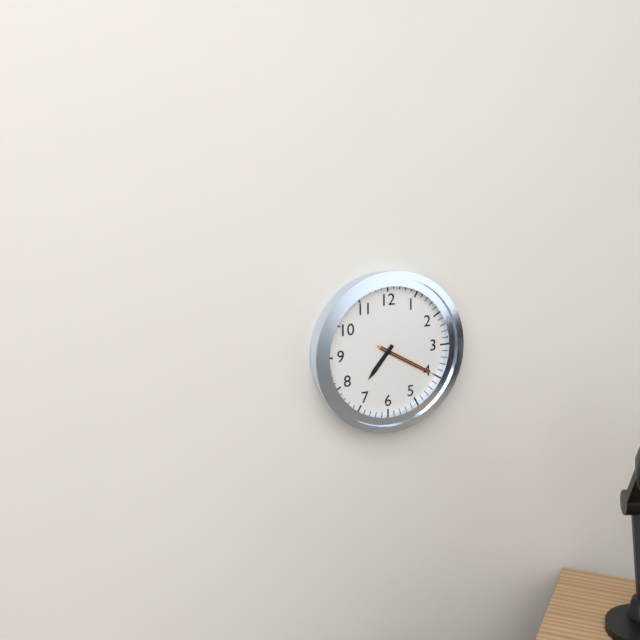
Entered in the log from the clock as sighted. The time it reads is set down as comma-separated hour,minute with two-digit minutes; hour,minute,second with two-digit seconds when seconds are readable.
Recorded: 7,20,20
